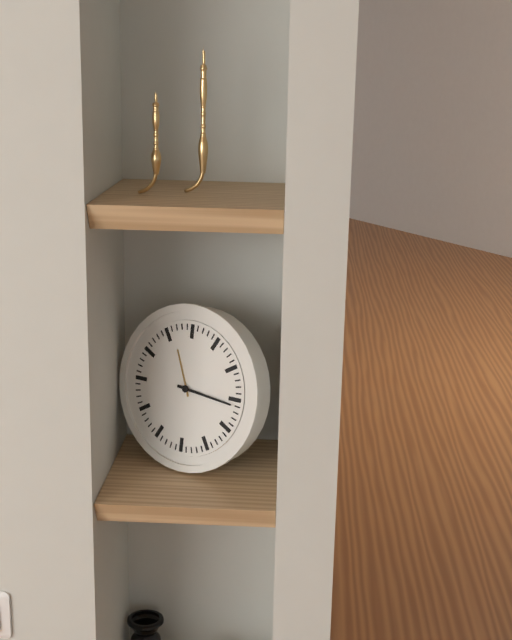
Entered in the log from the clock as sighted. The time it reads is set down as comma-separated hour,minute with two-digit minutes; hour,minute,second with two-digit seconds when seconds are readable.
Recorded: 11,16
